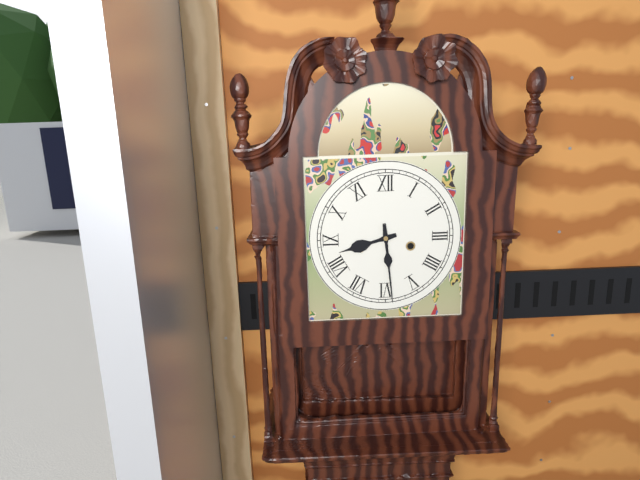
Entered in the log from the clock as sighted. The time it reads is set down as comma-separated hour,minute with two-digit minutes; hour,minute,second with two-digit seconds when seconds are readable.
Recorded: 8,29
